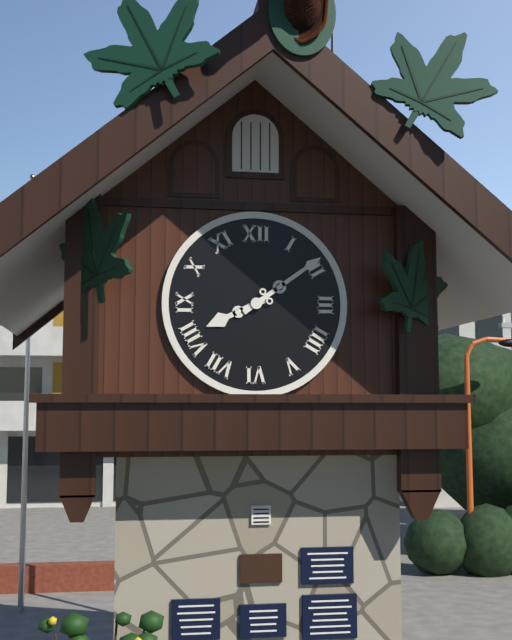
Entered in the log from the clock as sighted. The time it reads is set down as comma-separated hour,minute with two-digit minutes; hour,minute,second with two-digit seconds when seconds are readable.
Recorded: 8,09
